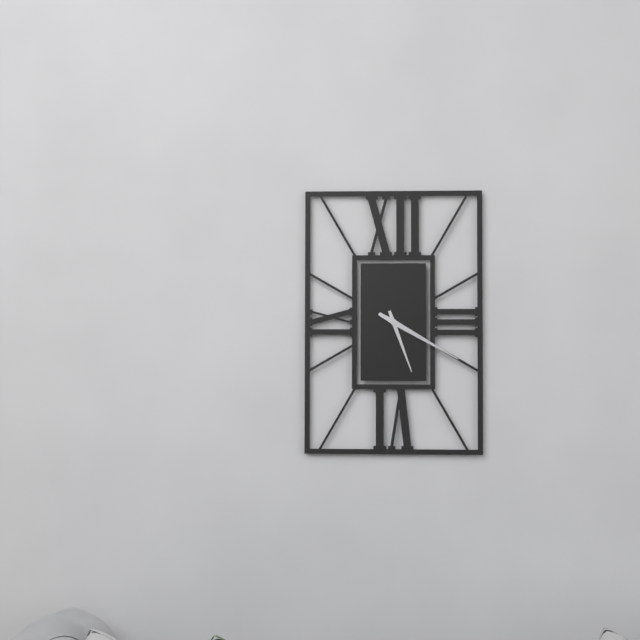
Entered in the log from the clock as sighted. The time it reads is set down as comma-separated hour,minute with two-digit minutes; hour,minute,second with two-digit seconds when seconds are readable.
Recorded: 5,20
